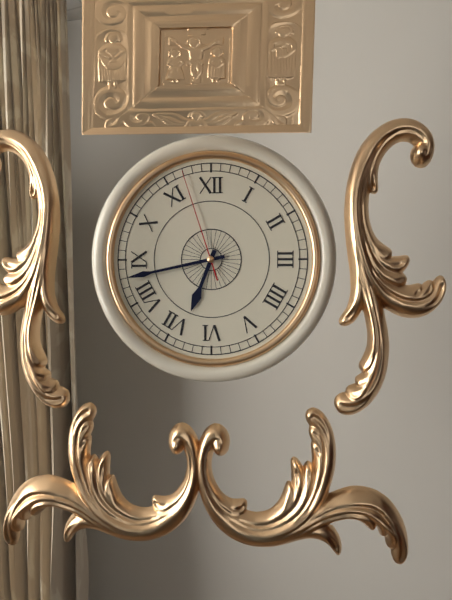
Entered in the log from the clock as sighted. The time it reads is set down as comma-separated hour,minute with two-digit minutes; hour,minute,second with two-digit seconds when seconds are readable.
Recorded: 6,43,57
